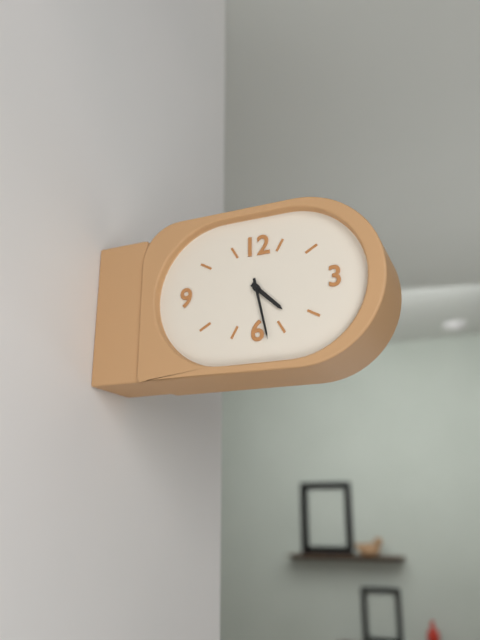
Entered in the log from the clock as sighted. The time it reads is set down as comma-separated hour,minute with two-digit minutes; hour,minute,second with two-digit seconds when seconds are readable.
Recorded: 4,28
